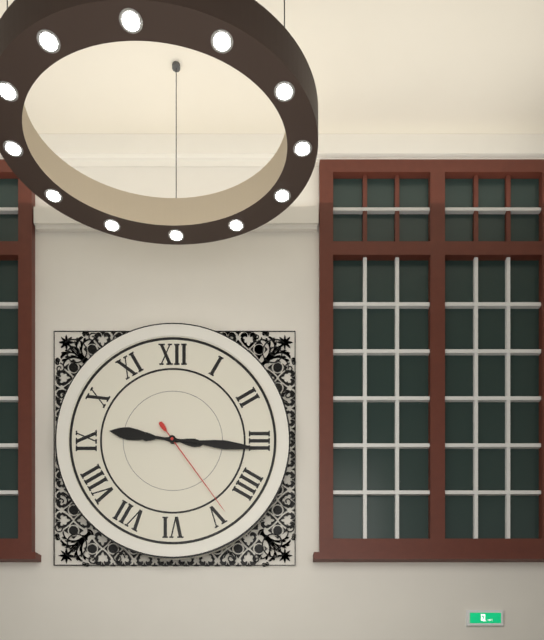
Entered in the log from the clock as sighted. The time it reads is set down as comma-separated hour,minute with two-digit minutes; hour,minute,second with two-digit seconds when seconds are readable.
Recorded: 9,16,24
